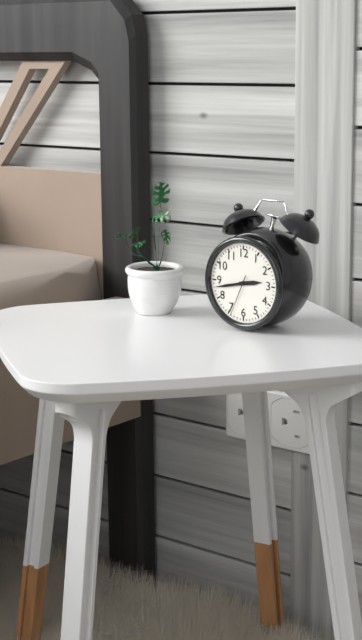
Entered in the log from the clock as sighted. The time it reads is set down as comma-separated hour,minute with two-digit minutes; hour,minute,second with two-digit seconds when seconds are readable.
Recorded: 2,43
